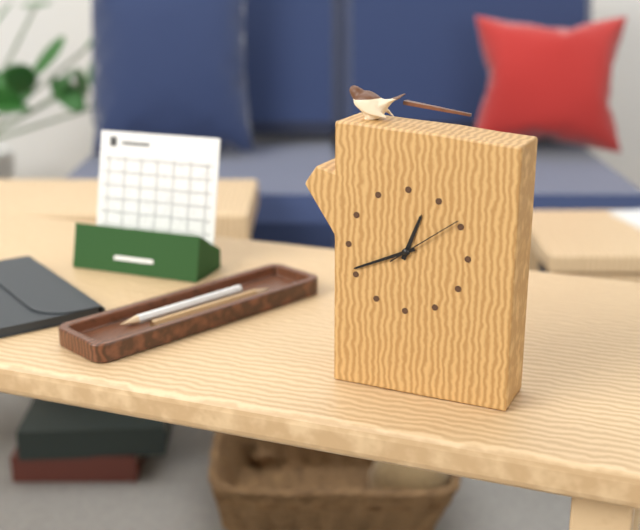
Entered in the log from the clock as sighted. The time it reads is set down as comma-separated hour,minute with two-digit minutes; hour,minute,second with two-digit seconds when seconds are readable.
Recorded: 12,41,09
